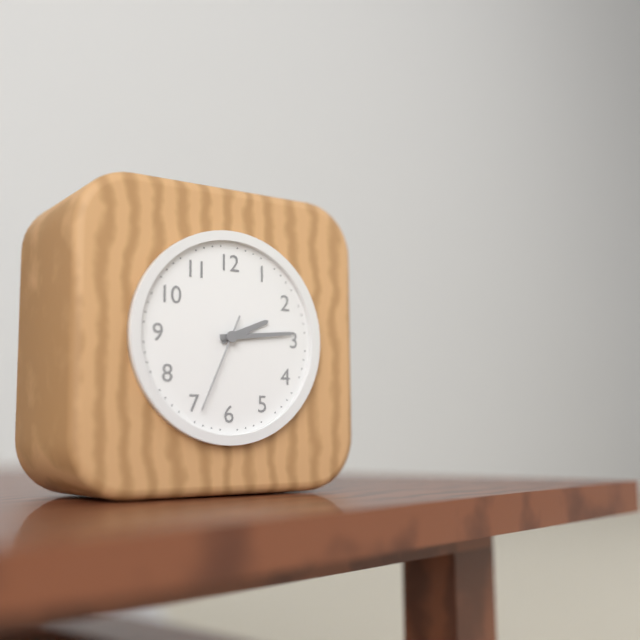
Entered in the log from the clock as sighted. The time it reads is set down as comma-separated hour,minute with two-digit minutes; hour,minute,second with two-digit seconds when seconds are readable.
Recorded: 2,14,34
